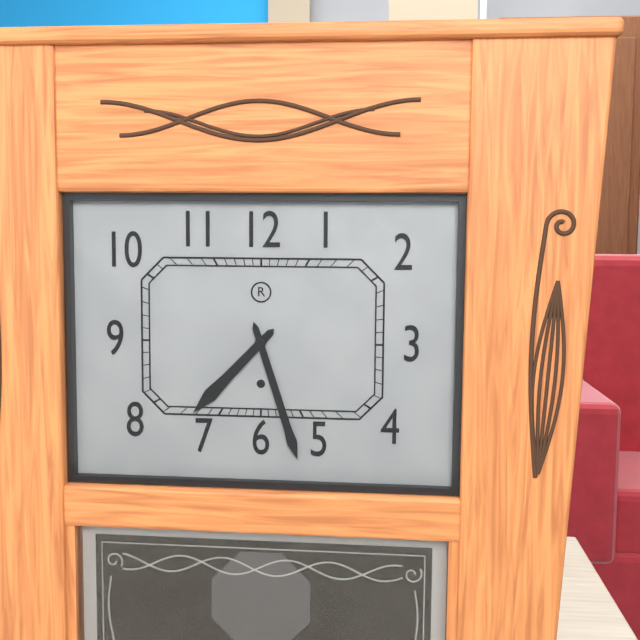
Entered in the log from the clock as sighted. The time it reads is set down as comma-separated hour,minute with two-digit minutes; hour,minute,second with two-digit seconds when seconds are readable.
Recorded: 7,27
